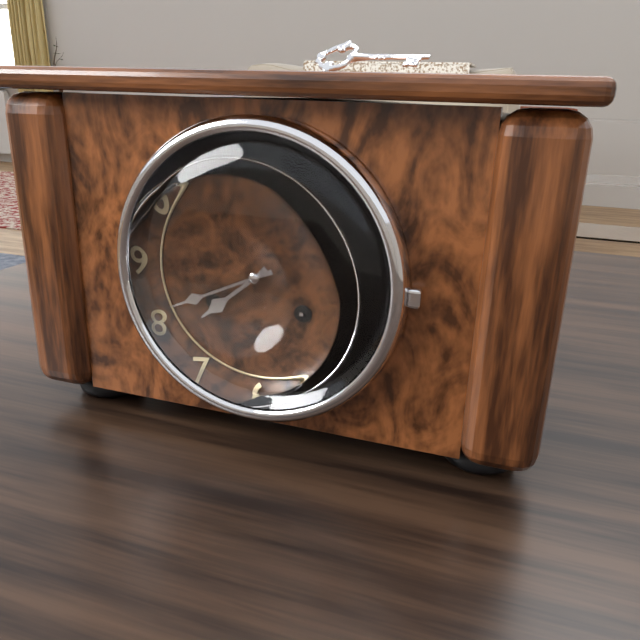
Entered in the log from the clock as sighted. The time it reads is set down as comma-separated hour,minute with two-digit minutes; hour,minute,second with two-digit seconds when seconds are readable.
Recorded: 7,41
